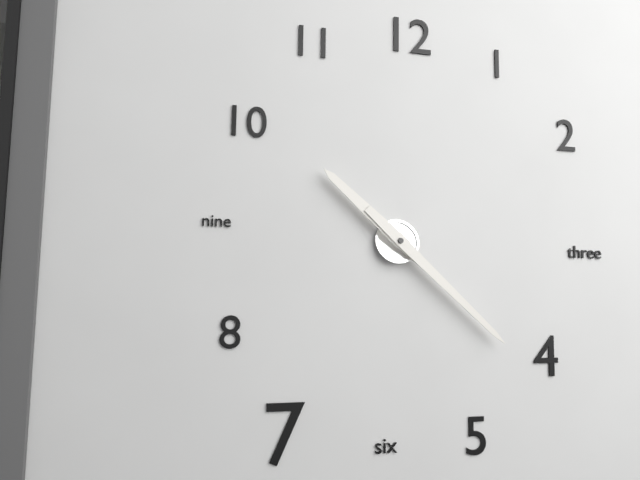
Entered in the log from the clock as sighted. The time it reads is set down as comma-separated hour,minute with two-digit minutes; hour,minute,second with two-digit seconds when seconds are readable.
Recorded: 10,22
